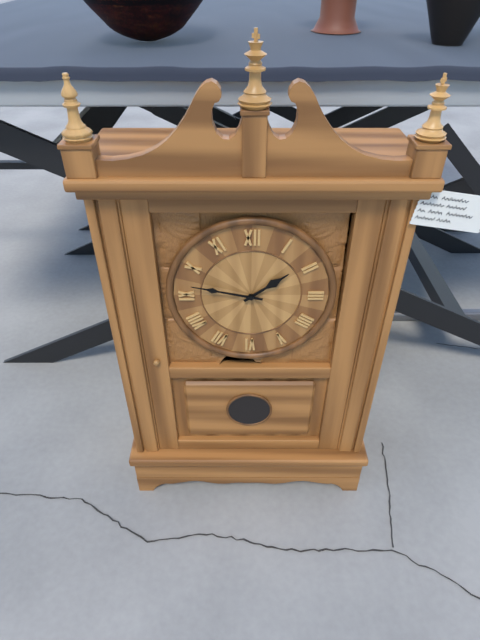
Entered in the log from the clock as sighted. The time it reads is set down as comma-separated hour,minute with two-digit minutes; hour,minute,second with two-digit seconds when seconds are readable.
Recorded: 1,47
